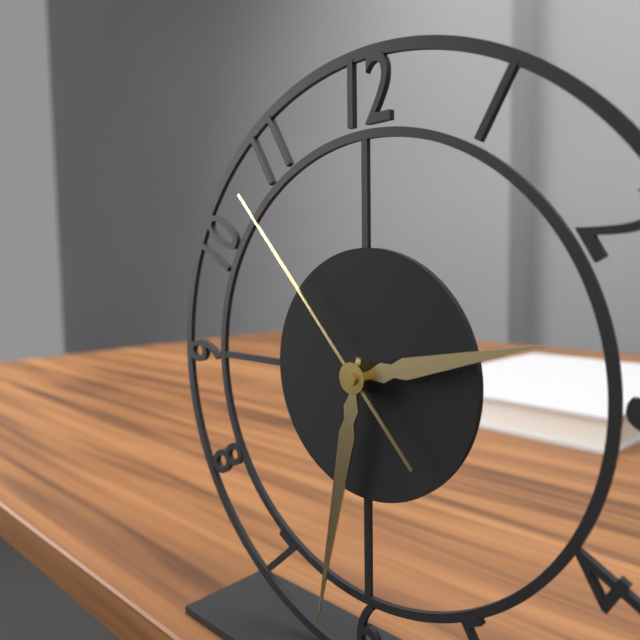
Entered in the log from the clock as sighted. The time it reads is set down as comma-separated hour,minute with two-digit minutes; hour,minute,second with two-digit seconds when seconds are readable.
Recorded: 2,32,53
